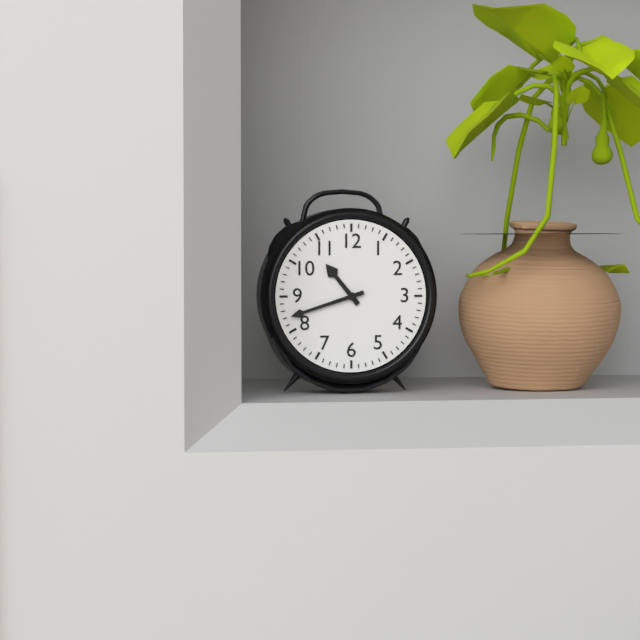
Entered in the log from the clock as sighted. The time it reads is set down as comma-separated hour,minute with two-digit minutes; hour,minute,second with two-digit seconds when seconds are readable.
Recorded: 10,42
